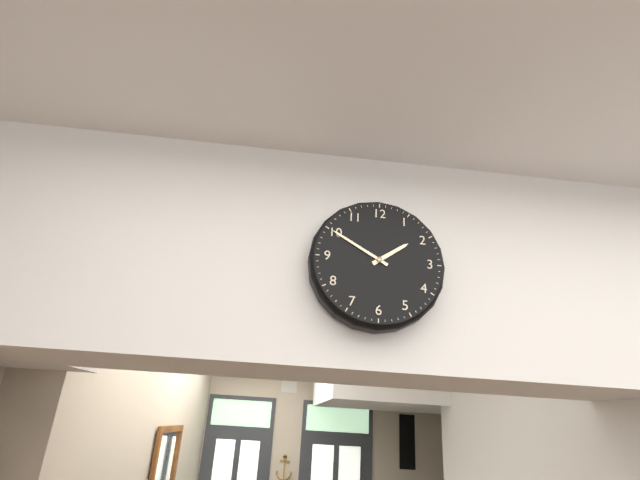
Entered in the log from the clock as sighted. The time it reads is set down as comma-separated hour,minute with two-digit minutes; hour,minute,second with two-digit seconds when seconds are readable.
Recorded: 1,50
